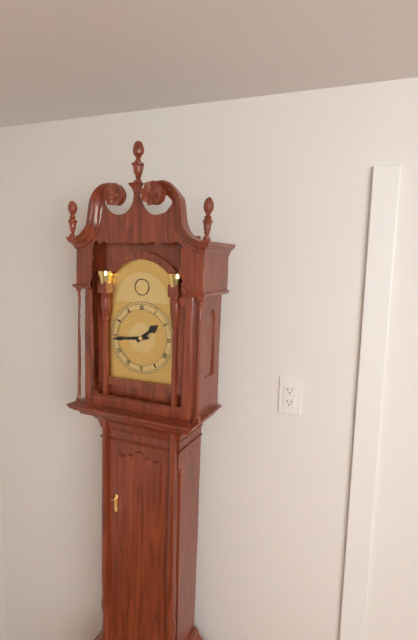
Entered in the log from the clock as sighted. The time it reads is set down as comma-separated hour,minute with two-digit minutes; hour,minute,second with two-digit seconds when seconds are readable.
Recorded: 1,44
